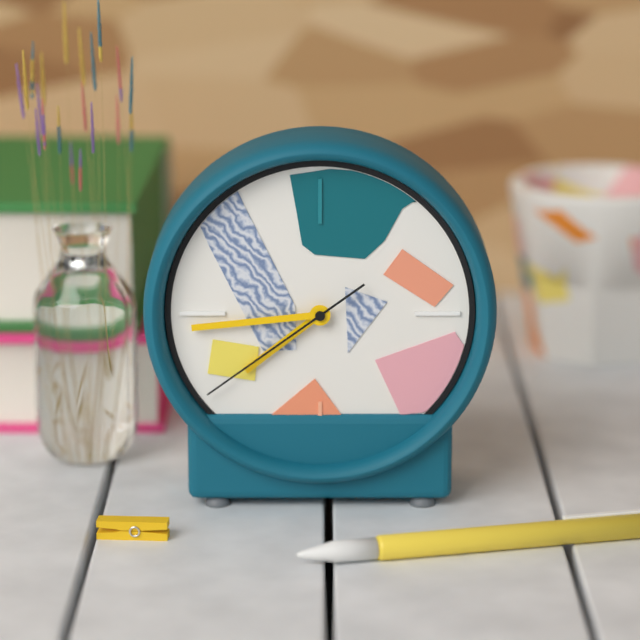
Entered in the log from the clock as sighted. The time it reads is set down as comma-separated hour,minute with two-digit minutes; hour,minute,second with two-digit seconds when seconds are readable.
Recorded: 7,44,39
